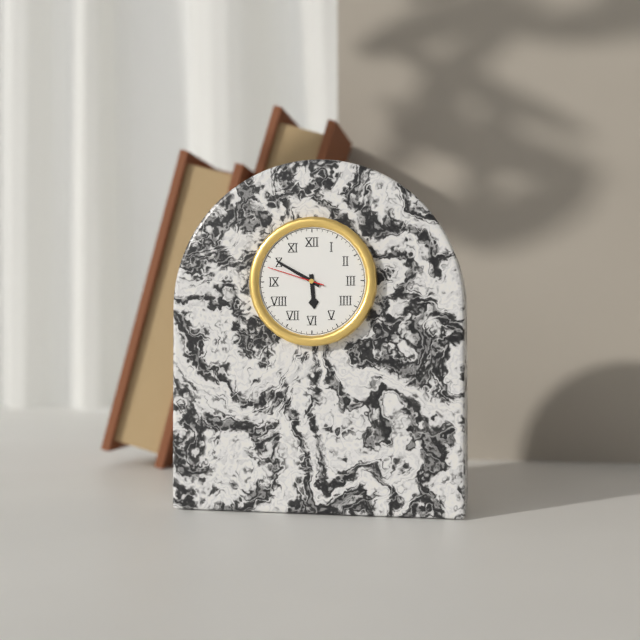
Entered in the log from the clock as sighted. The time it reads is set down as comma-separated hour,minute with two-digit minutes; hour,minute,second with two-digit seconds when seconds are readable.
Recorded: 5,50,48
